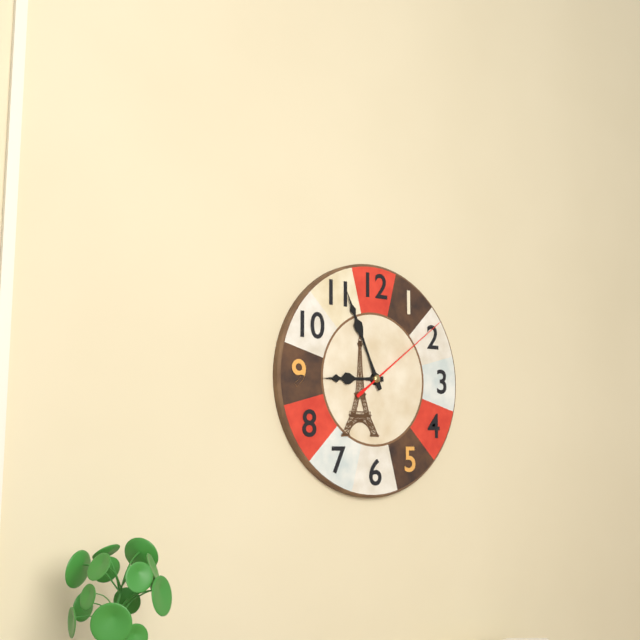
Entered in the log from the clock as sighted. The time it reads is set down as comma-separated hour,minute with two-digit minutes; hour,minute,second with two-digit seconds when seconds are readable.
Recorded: 8,56,09
